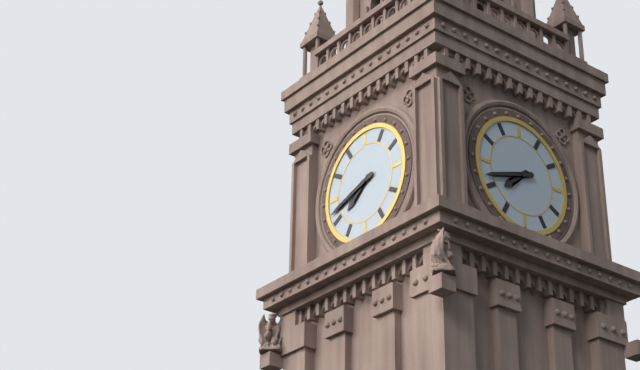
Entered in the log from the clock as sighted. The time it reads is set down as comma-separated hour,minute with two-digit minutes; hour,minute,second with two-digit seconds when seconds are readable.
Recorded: 7,42
